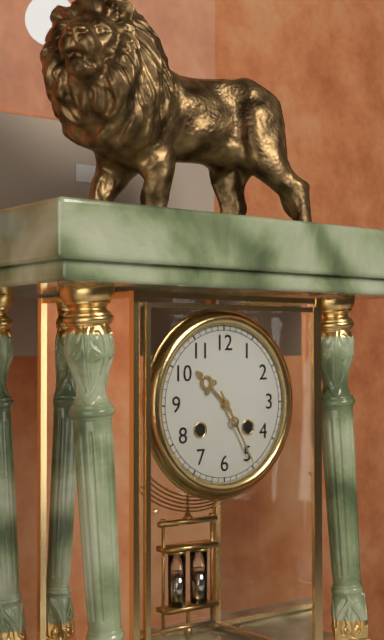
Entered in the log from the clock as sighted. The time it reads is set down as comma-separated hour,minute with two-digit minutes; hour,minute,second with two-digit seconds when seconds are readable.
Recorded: 10,25
